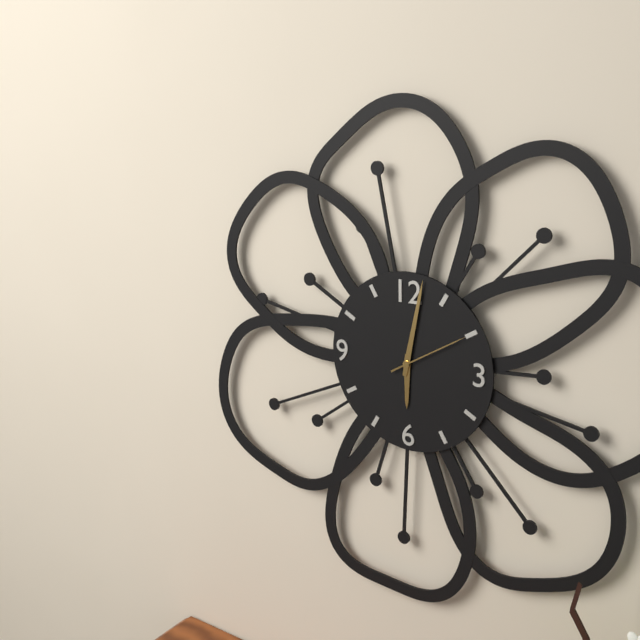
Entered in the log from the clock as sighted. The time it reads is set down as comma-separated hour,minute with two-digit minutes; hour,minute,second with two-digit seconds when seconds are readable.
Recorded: 6,02,10
